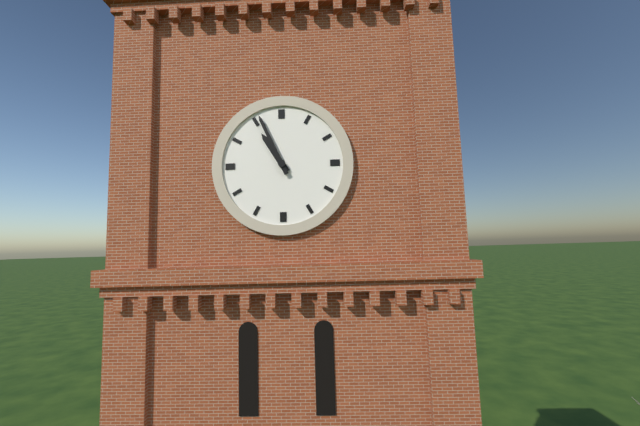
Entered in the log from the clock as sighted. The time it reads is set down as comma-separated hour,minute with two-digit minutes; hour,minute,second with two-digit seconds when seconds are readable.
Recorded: 10,56
